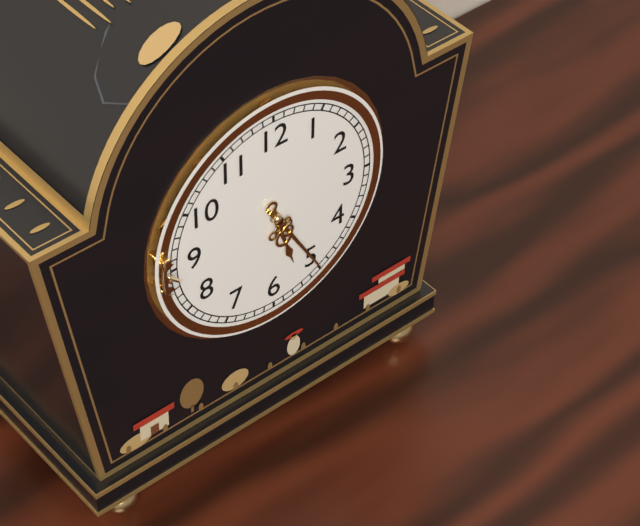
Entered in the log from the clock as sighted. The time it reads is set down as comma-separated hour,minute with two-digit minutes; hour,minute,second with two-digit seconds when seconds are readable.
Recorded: 5,25
